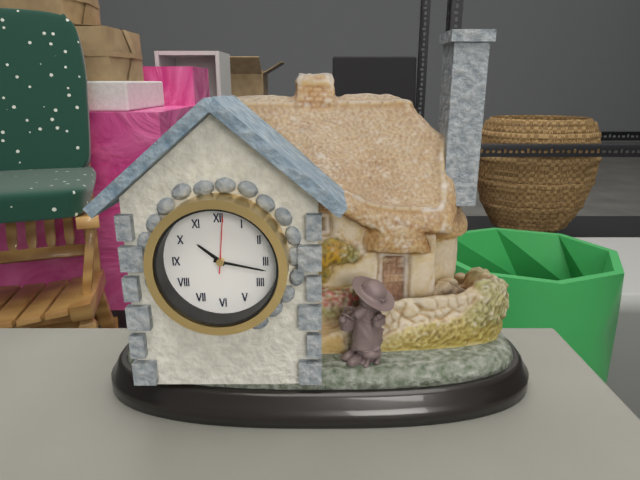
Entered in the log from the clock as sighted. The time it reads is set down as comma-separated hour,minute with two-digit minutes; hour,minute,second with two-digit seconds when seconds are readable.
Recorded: 10,17,01
